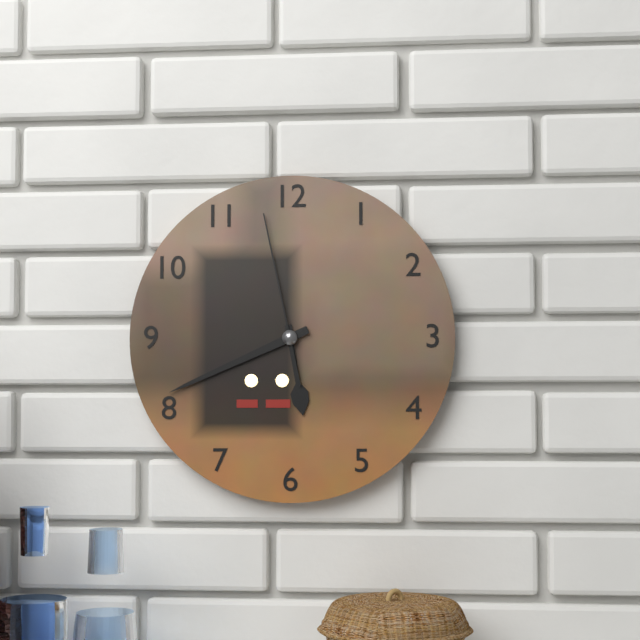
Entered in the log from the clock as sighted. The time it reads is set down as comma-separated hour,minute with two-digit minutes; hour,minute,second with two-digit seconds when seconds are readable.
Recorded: 5,41,58
